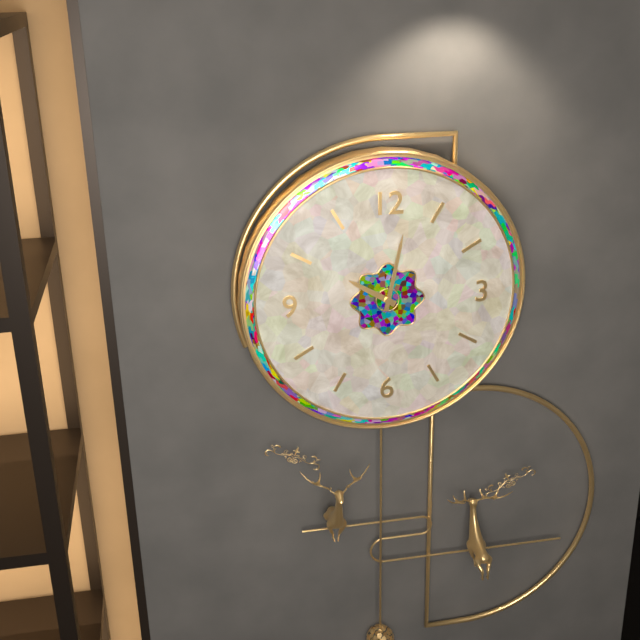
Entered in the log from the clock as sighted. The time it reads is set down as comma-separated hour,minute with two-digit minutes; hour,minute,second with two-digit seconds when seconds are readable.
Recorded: 10,02
